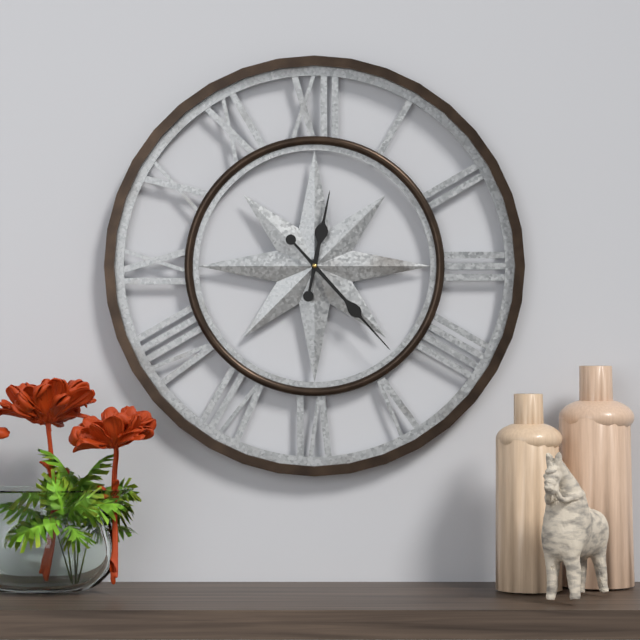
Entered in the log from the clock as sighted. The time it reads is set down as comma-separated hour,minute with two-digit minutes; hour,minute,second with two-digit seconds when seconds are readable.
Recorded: 12,23
